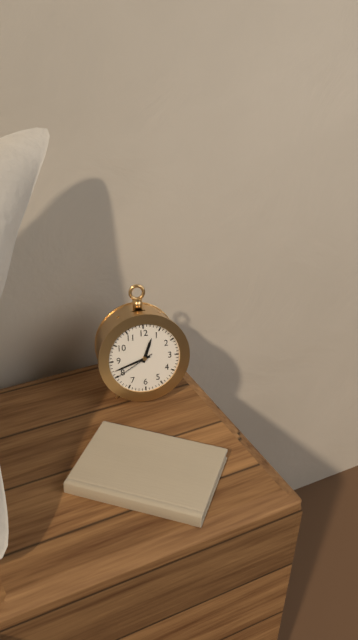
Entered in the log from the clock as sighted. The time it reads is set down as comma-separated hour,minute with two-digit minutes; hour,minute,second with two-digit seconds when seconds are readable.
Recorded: 12,42
